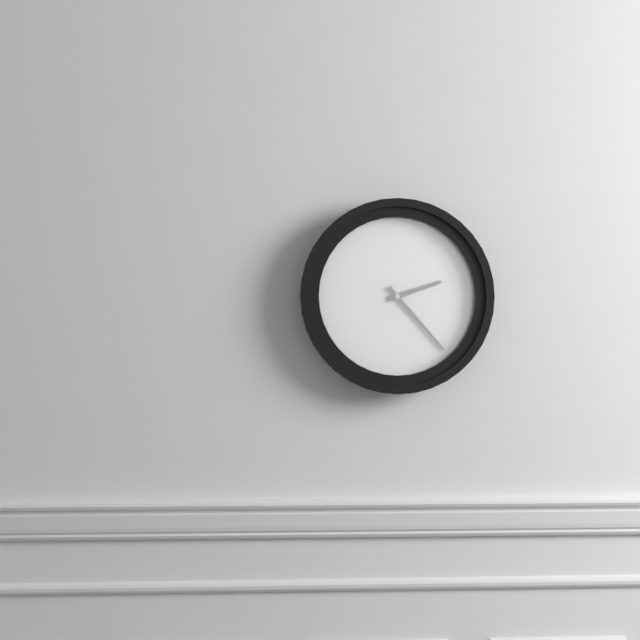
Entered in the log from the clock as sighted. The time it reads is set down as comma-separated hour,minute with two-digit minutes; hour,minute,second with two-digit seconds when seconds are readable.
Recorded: 2,23
